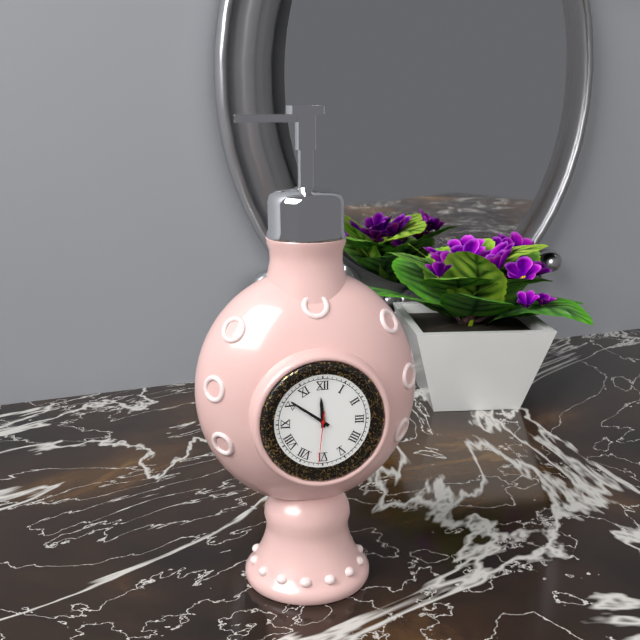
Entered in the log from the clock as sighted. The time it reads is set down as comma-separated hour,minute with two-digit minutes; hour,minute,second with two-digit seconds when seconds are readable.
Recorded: 11,51,31
